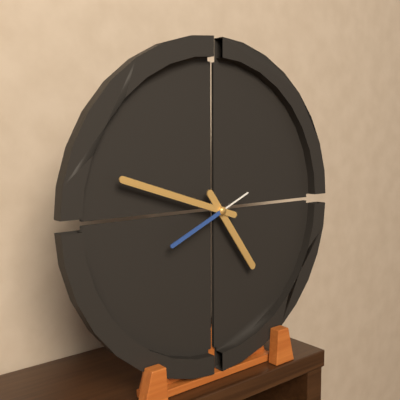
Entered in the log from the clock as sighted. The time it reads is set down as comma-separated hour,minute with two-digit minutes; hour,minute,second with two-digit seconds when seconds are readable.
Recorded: 4,48,41
